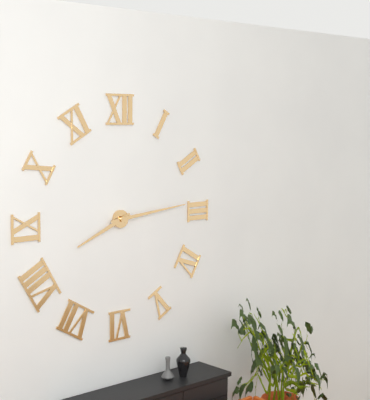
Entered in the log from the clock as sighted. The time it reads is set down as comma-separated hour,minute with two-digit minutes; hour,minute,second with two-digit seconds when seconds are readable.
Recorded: 8,14
